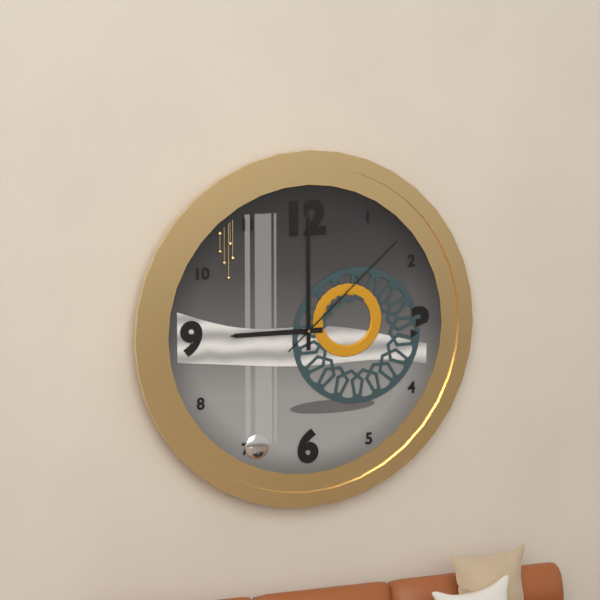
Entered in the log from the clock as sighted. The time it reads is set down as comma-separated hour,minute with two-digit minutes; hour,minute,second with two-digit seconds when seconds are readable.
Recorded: 9,00,08
